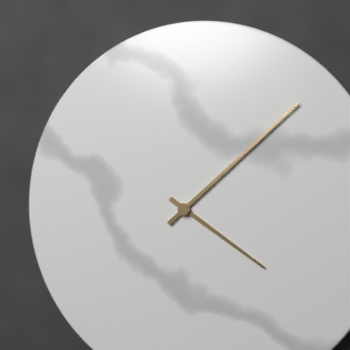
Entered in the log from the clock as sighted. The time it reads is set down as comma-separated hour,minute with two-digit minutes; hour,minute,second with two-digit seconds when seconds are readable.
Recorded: 4,08
